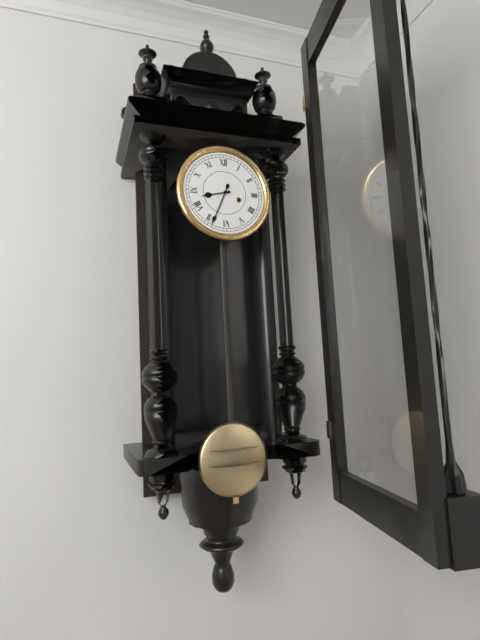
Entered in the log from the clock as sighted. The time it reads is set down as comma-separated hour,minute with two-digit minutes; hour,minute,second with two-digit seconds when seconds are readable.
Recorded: 8,34
